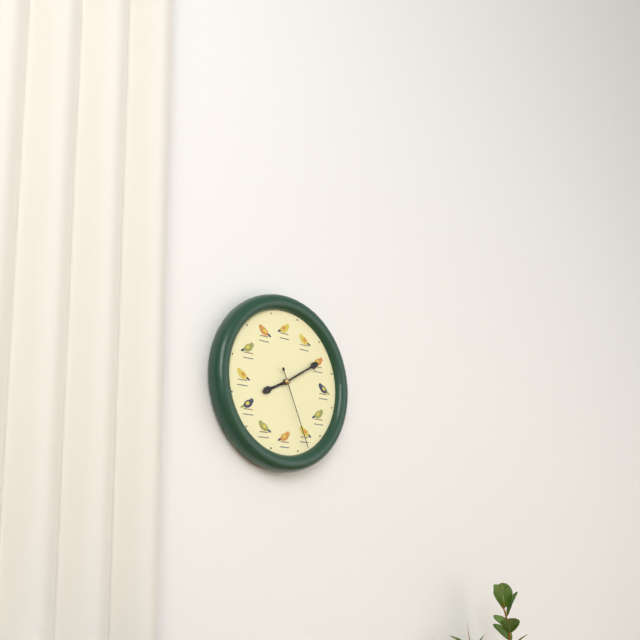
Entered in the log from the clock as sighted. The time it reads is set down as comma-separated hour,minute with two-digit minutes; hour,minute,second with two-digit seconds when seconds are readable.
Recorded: 8,10,26
